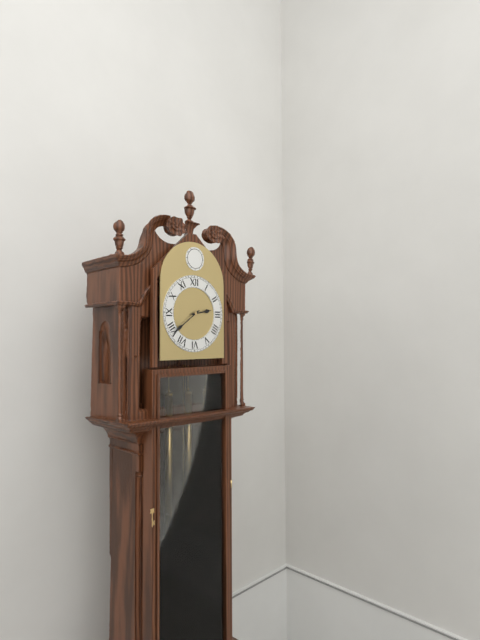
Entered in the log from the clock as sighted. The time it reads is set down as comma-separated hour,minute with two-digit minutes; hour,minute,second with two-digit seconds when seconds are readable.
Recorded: 2,39
